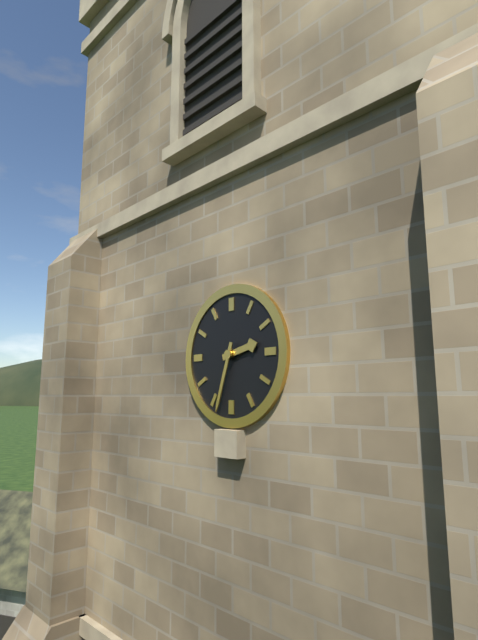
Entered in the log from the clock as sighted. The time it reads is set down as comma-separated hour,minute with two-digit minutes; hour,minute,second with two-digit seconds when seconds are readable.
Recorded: 2,33
